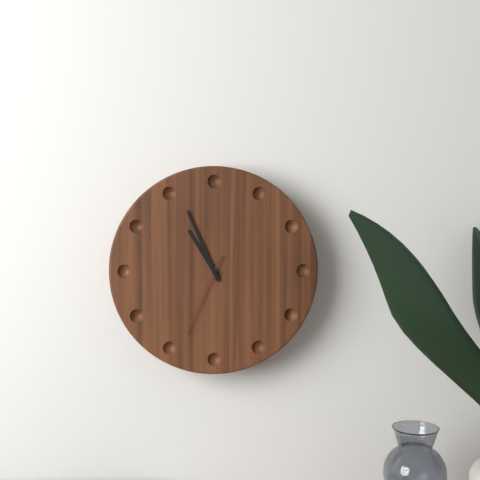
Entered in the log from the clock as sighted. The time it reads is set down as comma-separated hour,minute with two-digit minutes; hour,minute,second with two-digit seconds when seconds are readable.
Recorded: 10,56,34
